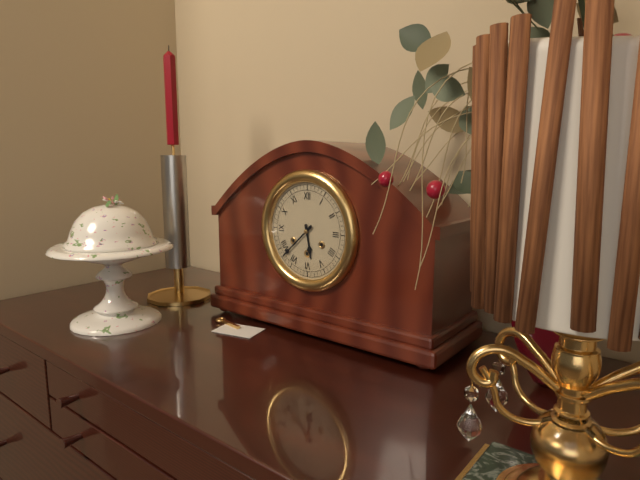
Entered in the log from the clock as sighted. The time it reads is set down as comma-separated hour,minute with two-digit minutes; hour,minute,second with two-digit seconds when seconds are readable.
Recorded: 5,38
